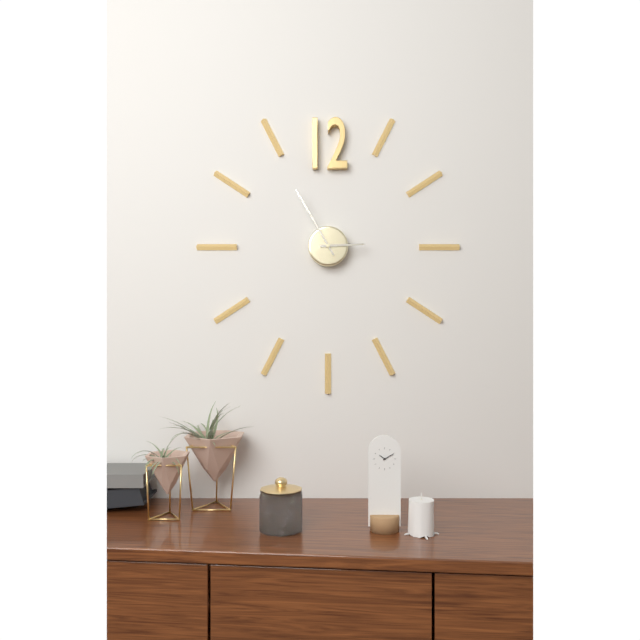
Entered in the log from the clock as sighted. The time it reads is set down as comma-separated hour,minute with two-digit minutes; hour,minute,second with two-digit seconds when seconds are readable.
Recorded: 2,55
